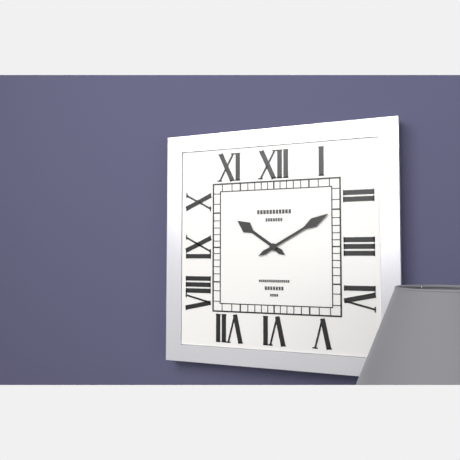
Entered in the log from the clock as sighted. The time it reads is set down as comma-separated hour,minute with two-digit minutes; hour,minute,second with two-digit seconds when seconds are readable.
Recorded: 10,10
